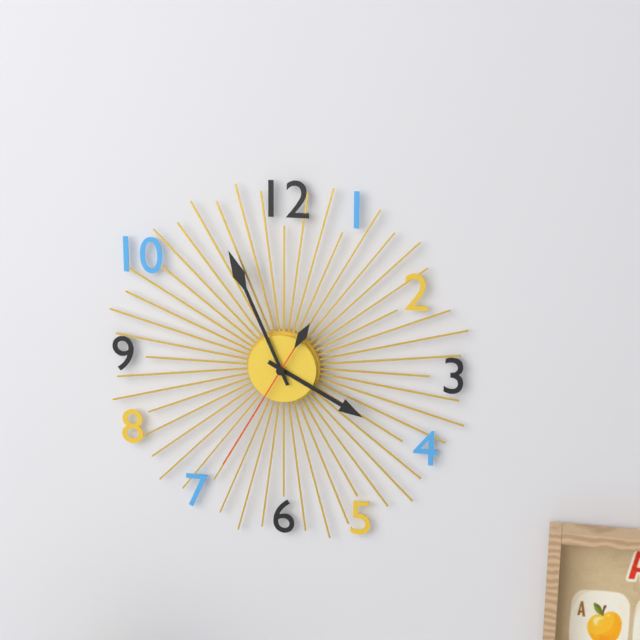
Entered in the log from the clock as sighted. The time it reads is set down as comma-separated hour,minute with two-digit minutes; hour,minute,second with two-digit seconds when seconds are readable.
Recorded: 3,56,35
